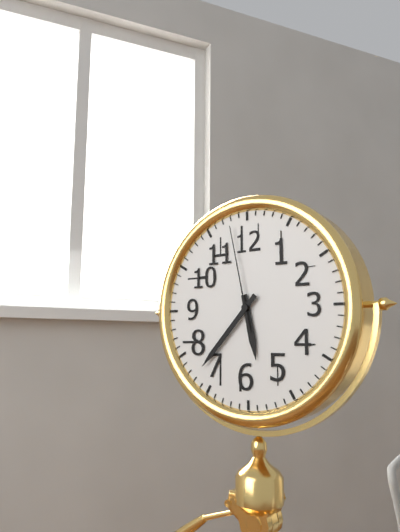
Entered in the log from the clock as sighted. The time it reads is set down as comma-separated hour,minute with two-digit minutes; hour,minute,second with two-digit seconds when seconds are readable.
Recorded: 5,37,58
